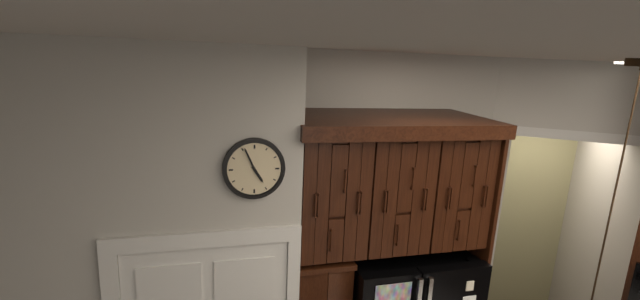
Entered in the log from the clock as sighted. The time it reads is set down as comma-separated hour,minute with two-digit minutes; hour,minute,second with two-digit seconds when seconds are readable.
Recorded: 4,56
